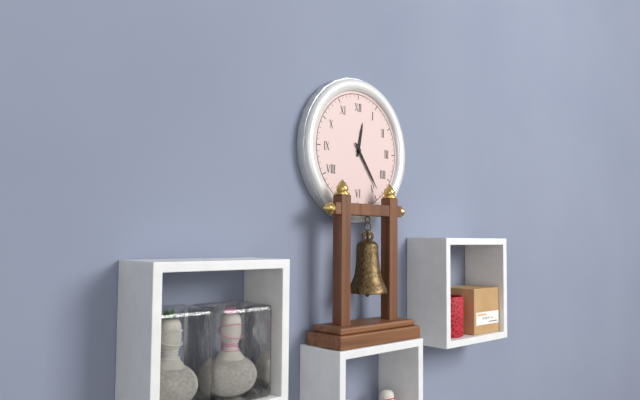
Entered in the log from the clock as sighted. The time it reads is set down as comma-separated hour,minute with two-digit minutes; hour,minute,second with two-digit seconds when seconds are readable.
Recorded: 12,24
